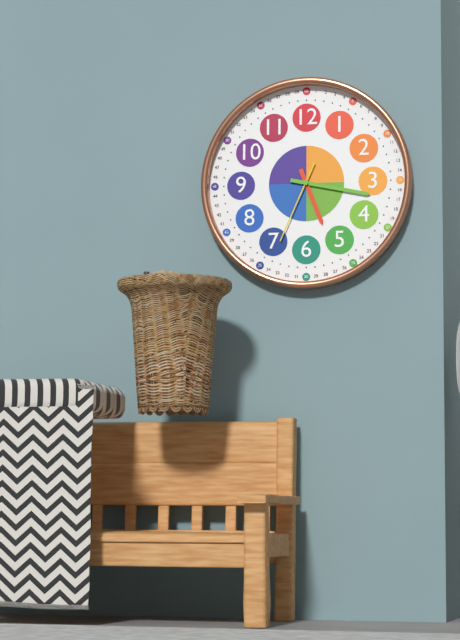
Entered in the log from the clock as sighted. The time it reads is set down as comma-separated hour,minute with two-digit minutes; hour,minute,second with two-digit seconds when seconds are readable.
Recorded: 5,17,34
